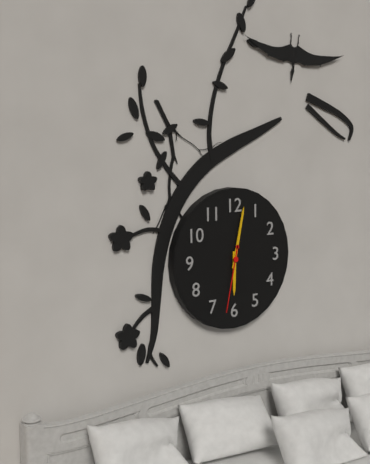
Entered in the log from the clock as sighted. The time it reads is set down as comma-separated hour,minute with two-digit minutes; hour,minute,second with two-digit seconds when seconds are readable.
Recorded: 6,02,32
